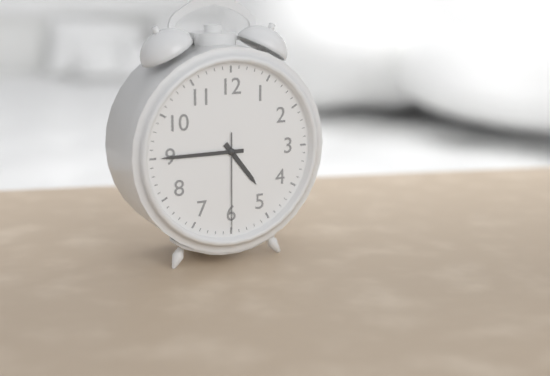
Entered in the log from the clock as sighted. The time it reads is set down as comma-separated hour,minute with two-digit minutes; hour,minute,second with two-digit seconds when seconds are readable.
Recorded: 4,45,30
